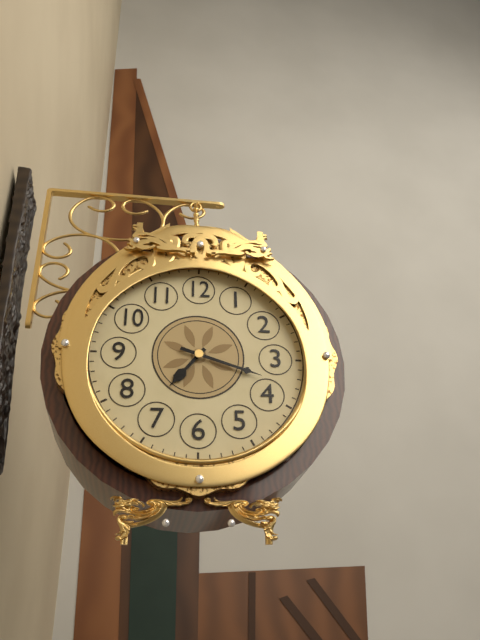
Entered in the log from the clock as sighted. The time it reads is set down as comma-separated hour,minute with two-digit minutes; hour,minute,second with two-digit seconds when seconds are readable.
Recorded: 7,18
